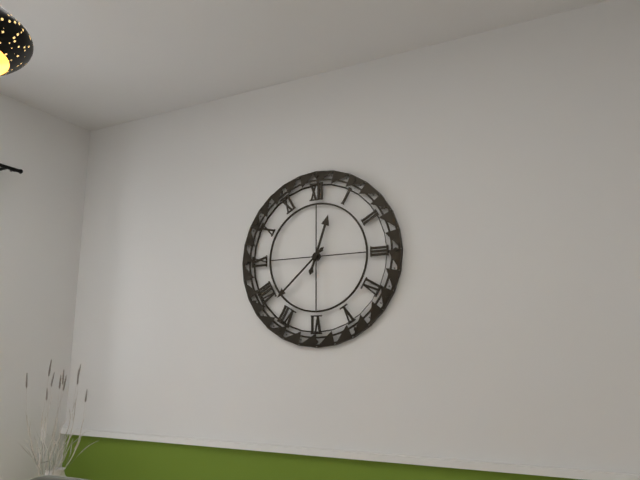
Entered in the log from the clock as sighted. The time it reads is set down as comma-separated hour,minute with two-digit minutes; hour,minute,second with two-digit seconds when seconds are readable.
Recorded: 12,38
